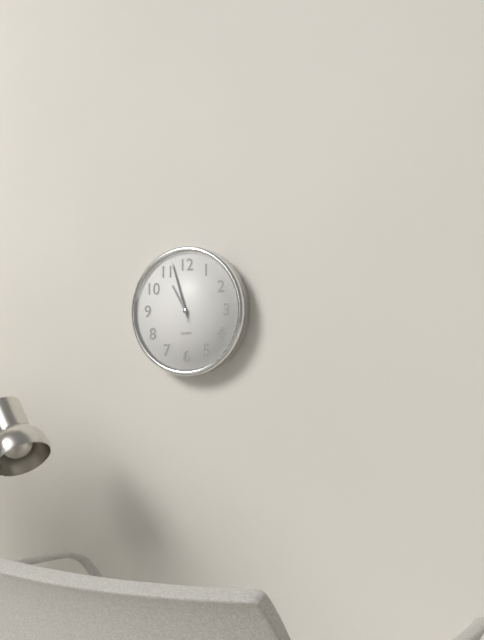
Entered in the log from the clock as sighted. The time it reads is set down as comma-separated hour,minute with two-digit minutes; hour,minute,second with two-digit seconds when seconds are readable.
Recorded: 10,57,57
